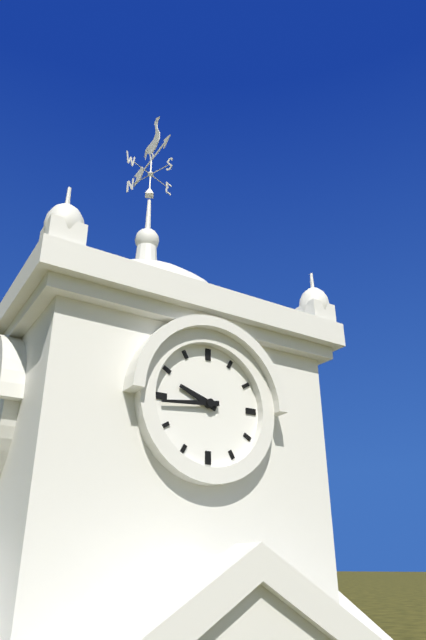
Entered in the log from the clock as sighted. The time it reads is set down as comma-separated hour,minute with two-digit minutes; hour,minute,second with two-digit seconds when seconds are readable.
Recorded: 9,44
